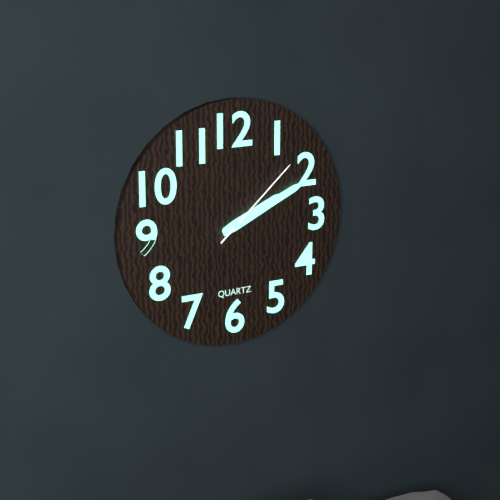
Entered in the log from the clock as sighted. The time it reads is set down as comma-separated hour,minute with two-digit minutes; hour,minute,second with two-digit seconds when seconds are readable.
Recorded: 2,11,08
